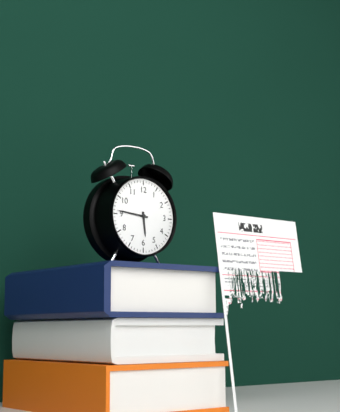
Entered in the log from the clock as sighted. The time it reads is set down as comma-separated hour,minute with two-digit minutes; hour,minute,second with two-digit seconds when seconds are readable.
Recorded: 5,46
